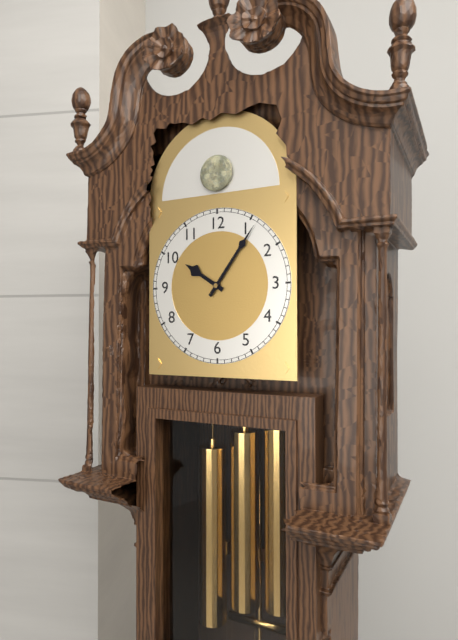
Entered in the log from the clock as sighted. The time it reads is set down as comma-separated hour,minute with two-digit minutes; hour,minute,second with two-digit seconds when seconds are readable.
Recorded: 10,06
